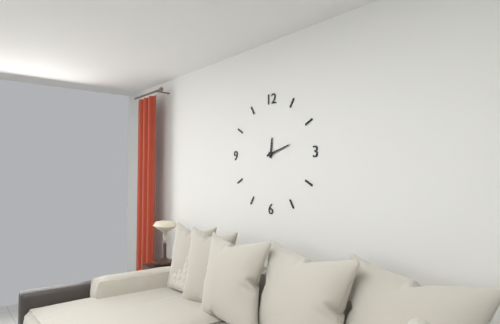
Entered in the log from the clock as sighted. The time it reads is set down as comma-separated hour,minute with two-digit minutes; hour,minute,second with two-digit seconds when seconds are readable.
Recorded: 12,12
